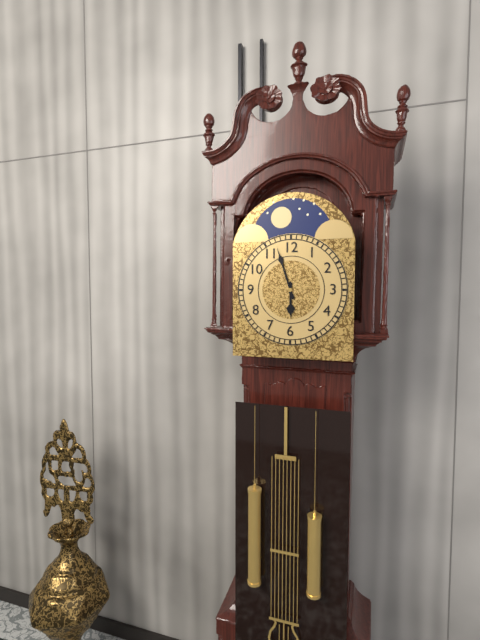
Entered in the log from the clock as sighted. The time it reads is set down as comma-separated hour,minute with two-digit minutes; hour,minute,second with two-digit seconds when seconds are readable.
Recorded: 5,57
